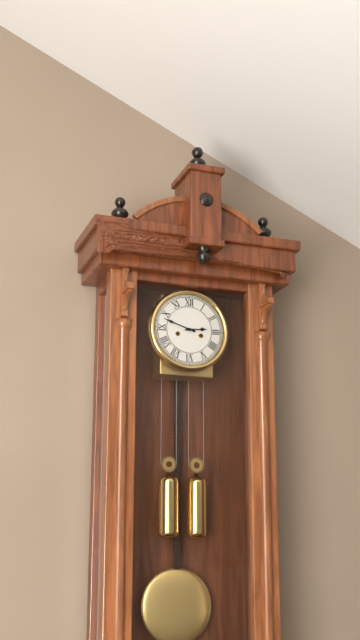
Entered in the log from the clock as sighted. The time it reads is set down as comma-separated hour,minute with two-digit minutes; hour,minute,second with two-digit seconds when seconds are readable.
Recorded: 2,48
